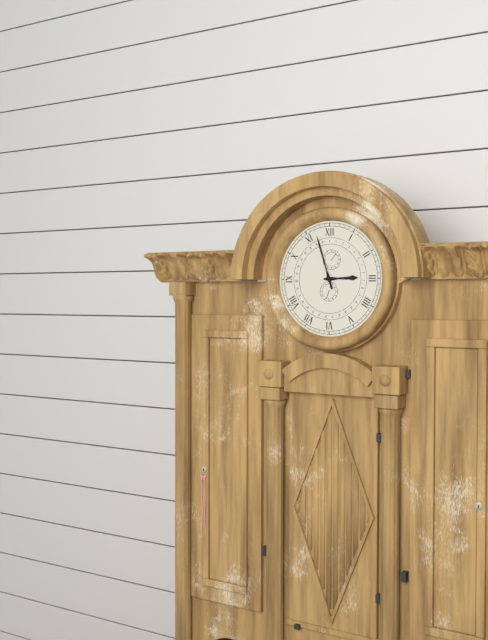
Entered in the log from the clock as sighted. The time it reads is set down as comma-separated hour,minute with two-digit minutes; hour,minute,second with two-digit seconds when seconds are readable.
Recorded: 2,57
